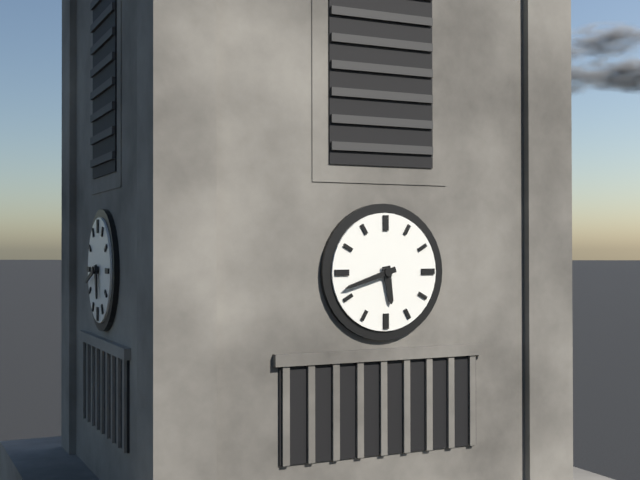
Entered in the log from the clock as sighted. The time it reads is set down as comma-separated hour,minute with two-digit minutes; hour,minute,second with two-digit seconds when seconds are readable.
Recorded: 5,42
